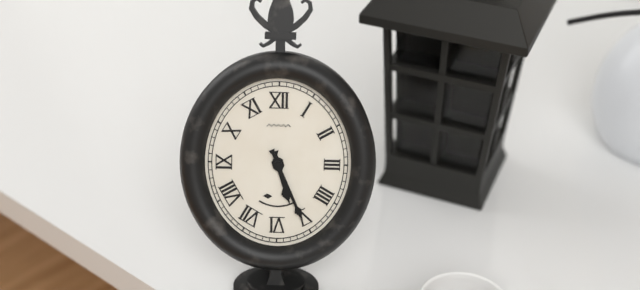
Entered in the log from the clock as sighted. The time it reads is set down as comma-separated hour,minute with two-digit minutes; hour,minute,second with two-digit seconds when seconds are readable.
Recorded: 5,26
